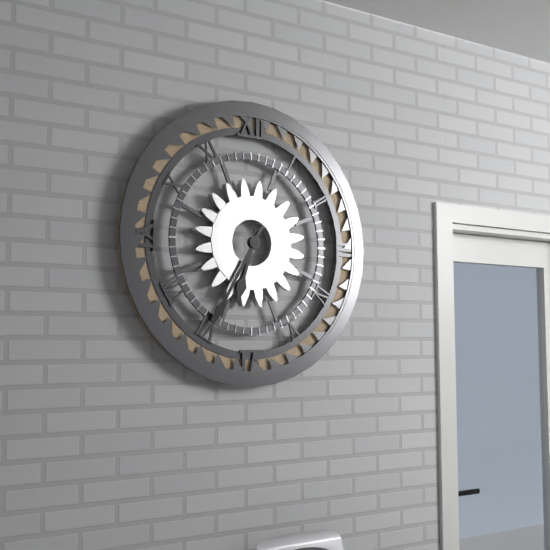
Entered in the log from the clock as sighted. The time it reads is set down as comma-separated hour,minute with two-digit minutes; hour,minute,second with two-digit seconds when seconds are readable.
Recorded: 6,35
